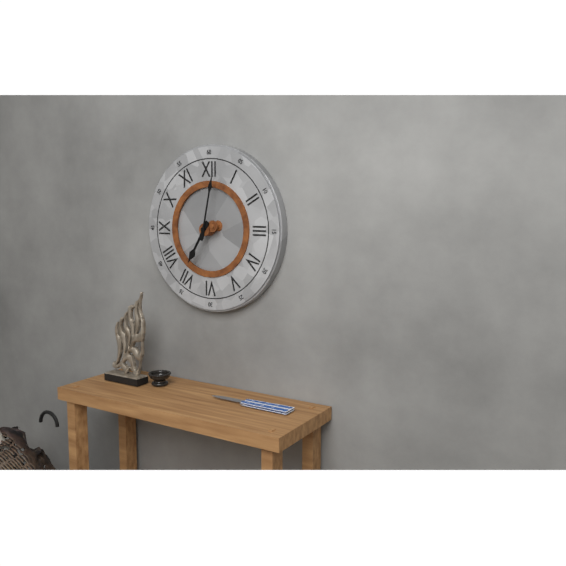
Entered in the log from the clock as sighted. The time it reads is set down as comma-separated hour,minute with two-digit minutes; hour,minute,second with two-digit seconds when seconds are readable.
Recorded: 7,02
